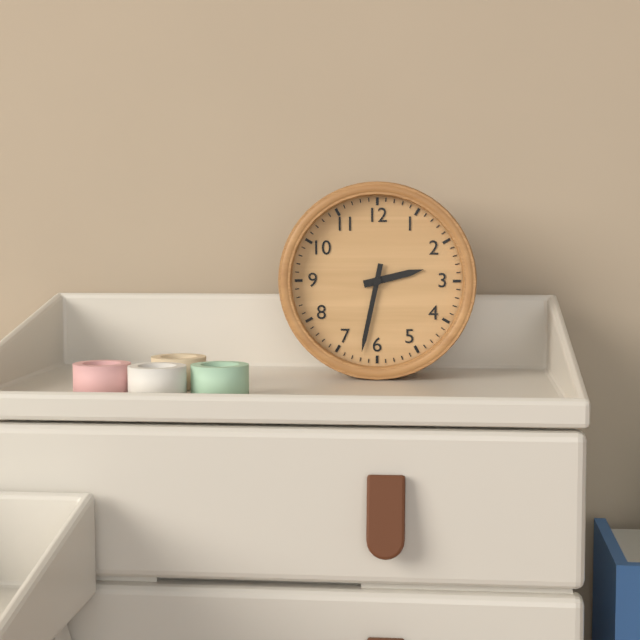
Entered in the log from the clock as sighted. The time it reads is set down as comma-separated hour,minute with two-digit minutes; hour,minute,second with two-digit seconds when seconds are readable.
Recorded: 2,32
